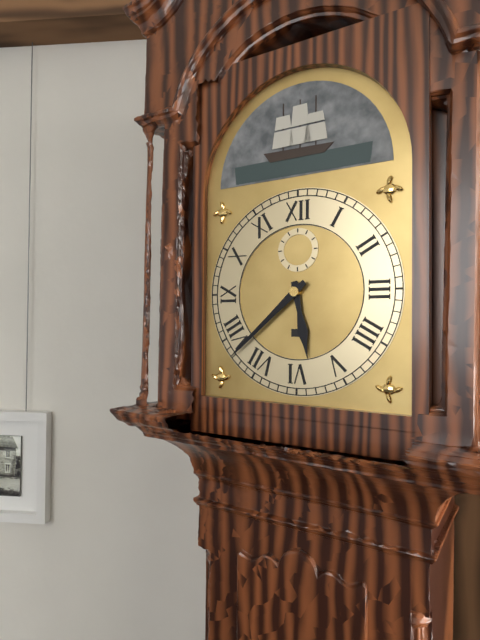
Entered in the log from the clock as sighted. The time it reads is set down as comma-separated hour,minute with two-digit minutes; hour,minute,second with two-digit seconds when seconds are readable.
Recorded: 5,38
